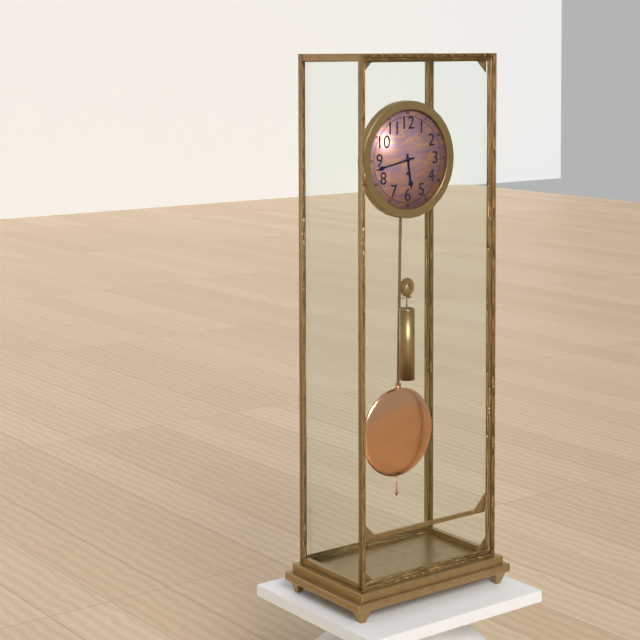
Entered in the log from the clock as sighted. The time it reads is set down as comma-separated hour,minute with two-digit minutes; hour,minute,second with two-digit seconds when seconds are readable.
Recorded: 5,43
